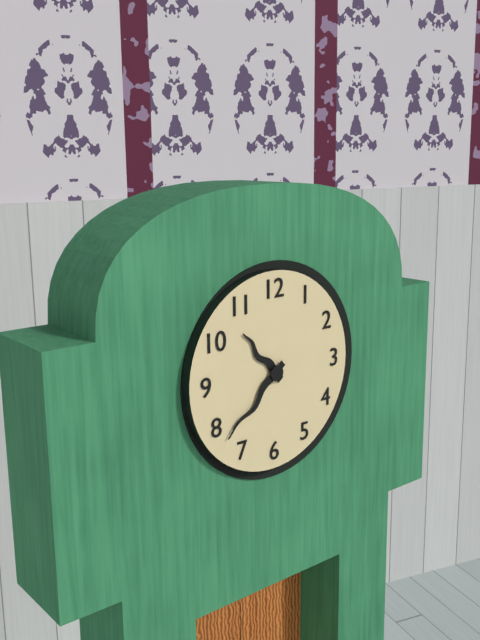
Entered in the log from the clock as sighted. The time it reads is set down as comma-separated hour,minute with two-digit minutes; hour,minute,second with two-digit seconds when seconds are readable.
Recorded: 10,38
